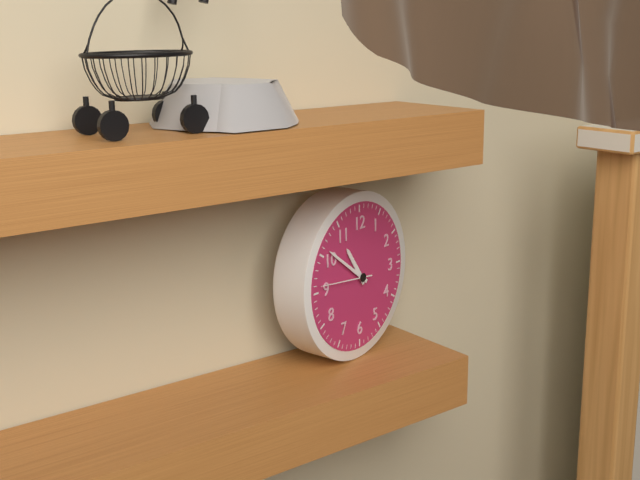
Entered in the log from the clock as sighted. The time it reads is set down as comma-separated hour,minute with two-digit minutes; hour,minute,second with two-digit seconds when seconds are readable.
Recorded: 10,51,46
